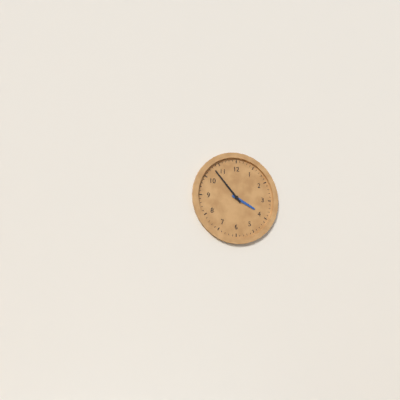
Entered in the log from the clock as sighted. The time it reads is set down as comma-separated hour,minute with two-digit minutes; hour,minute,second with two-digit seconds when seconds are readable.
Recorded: 3,53
